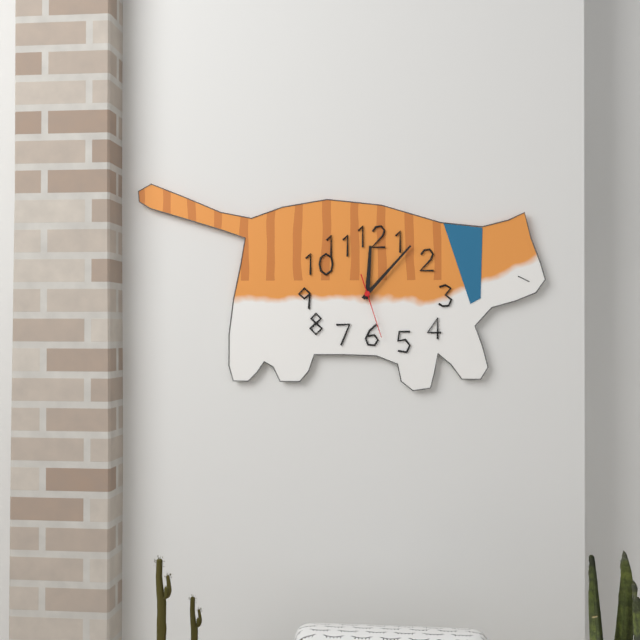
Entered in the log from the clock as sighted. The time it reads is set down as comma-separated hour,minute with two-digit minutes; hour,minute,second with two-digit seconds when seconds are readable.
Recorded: 12,07,27
